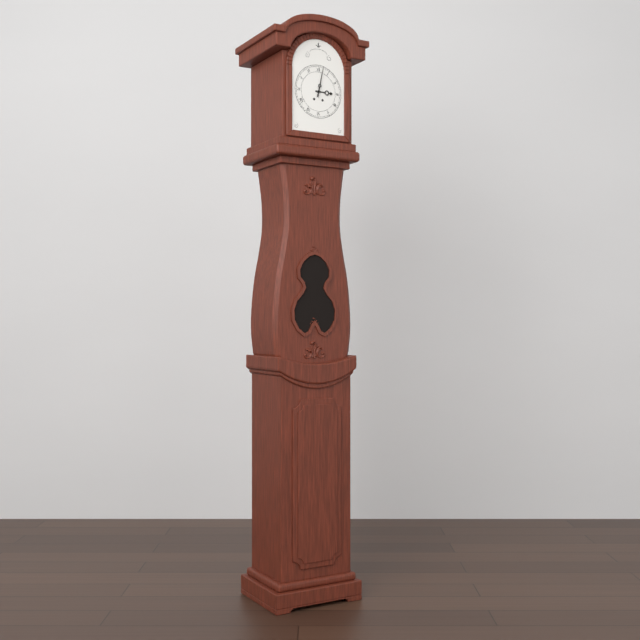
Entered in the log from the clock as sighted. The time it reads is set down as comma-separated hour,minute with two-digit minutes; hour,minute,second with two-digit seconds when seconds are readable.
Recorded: 3,02
